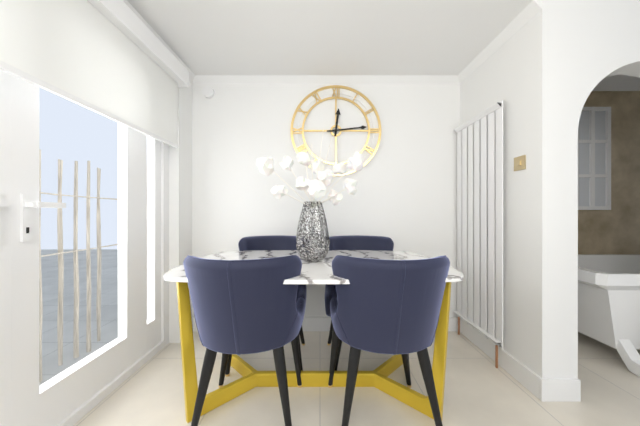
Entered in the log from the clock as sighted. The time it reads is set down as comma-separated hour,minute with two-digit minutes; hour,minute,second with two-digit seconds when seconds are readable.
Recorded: 12,14
